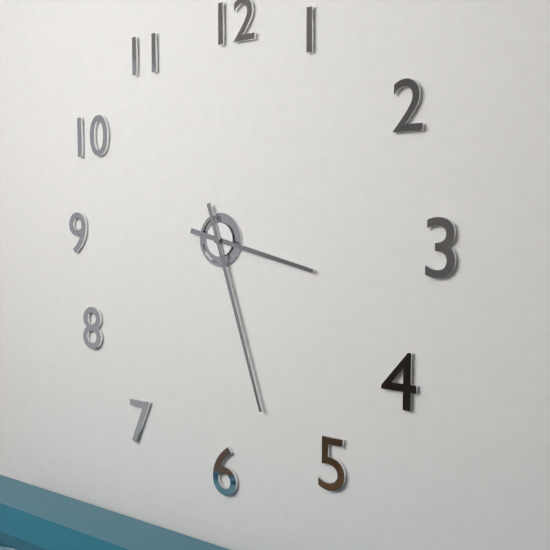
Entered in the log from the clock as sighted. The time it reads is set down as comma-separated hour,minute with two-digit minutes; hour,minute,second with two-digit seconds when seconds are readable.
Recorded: 3,27
